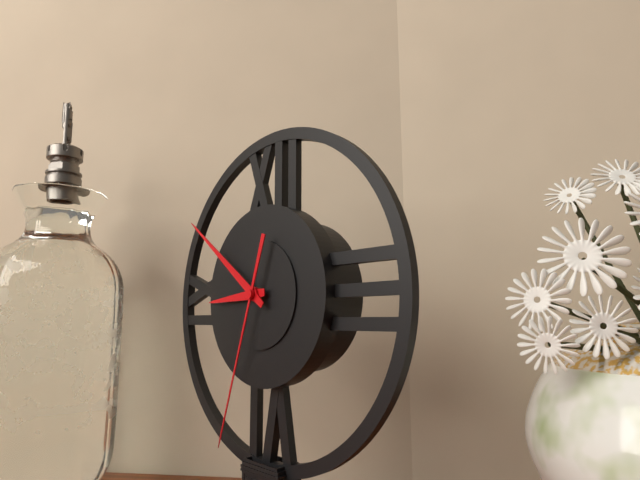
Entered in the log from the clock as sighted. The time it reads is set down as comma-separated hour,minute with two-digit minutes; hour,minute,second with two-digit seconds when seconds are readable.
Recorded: 8,51,33
